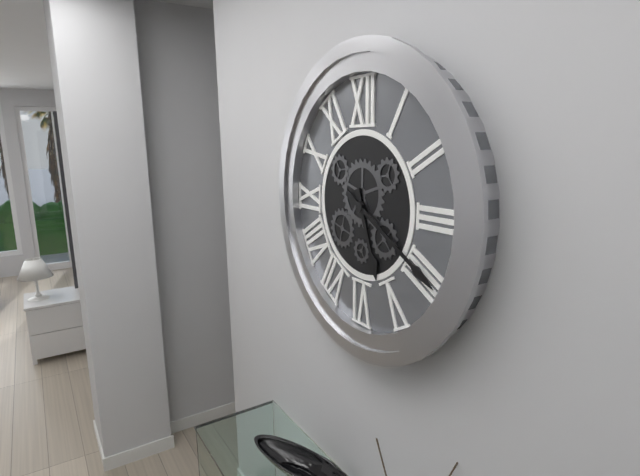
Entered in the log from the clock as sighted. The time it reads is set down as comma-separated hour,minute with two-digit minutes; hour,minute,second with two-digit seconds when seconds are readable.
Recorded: 5,20
